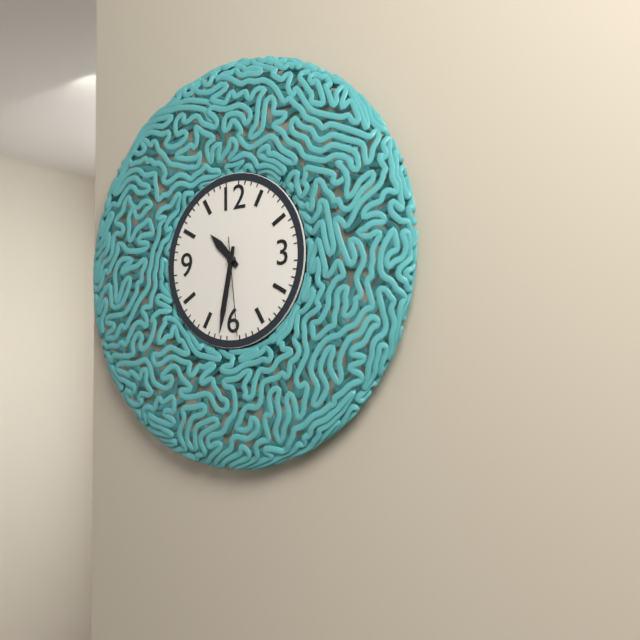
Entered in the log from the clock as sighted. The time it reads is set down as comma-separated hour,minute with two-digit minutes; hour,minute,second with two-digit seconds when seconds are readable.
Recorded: 10,32,29
